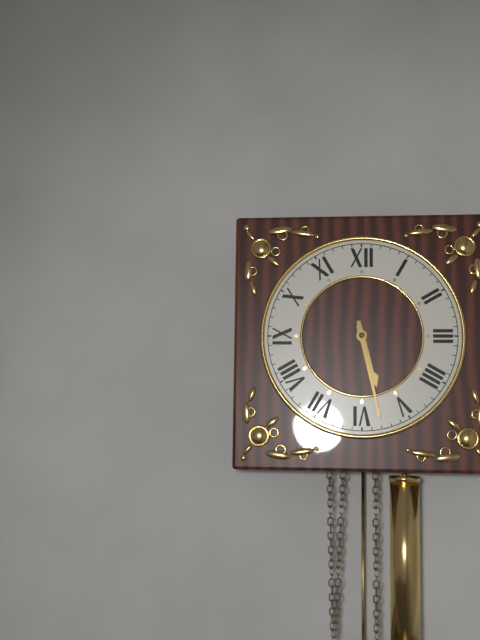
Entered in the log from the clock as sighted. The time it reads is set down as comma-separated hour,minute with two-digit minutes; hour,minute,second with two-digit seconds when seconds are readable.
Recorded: 5,28
